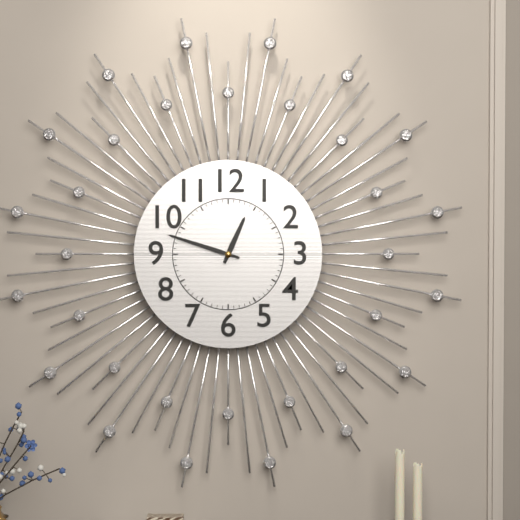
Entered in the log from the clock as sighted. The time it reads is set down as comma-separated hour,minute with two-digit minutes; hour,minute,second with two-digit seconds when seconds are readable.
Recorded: 12,48
